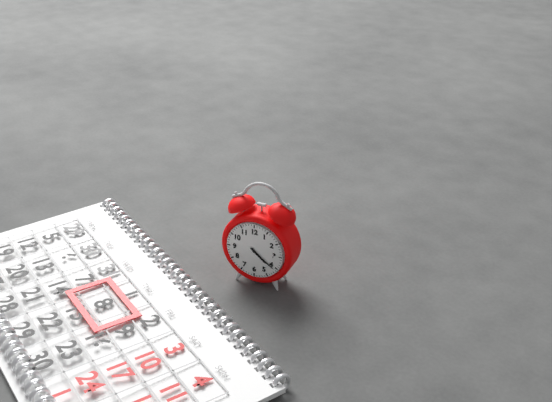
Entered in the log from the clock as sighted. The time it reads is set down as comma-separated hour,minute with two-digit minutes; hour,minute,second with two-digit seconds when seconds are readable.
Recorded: 4,21
